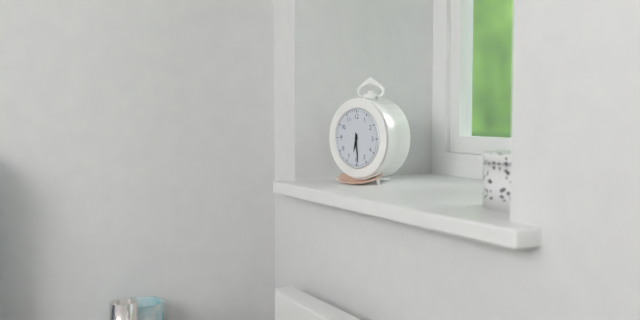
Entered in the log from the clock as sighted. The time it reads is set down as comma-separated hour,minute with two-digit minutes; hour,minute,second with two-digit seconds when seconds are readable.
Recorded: 6,29
